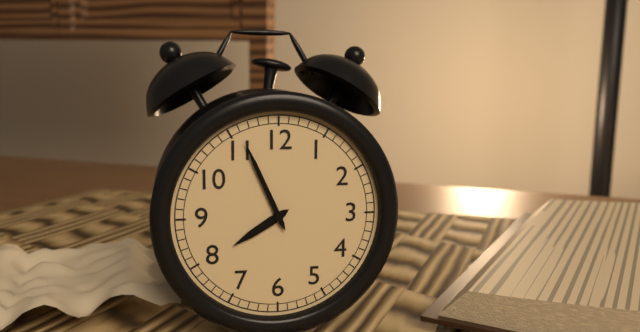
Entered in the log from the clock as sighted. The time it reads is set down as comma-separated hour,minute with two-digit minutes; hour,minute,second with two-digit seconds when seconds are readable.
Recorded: 7,56
